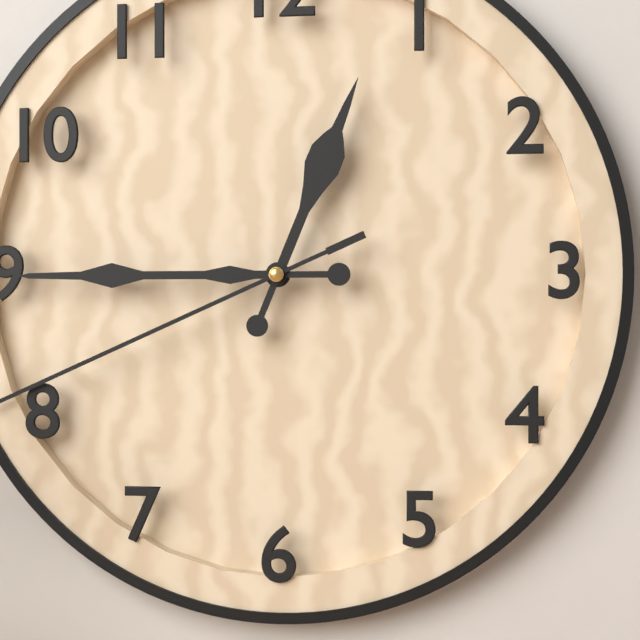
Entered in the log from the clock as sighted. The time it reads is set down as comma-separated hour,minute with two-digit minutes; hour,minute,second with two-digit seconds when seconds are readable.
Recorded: 12,45
